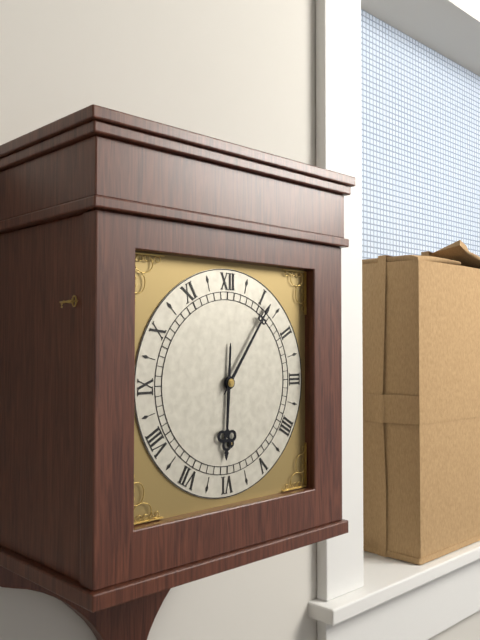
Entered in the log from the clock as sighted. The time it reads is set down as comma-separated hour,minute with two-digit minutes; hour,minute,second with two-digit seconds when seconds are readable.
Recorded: 6,06
